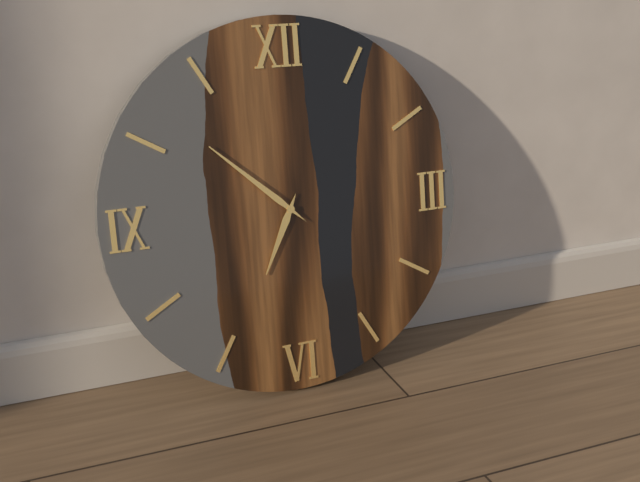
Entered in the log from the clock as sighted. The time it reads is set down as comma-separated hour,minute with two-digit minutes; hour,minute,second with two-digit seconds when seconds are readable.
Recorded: 6,52
